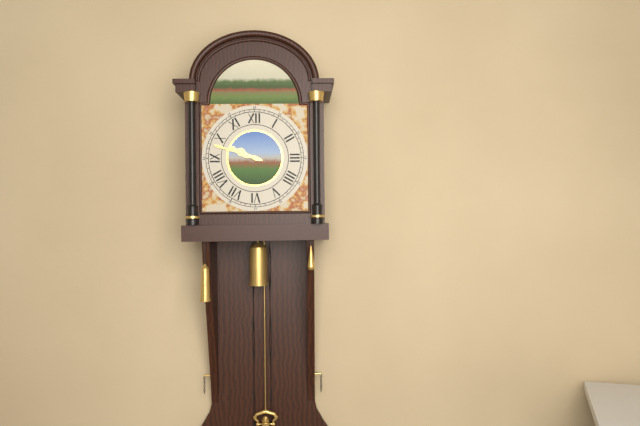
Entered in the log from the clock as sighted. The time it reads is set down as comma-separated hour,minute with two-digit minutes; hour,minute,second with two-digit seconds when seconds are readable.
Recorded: 9,48
